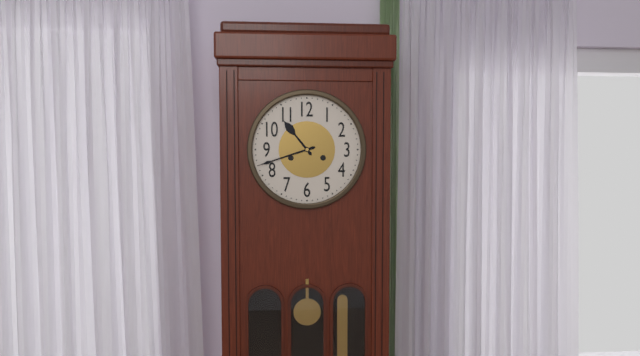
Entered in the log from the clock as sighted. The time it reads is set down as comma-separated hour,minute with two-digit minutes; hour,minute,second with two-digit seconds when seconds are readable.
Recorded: 10,42
